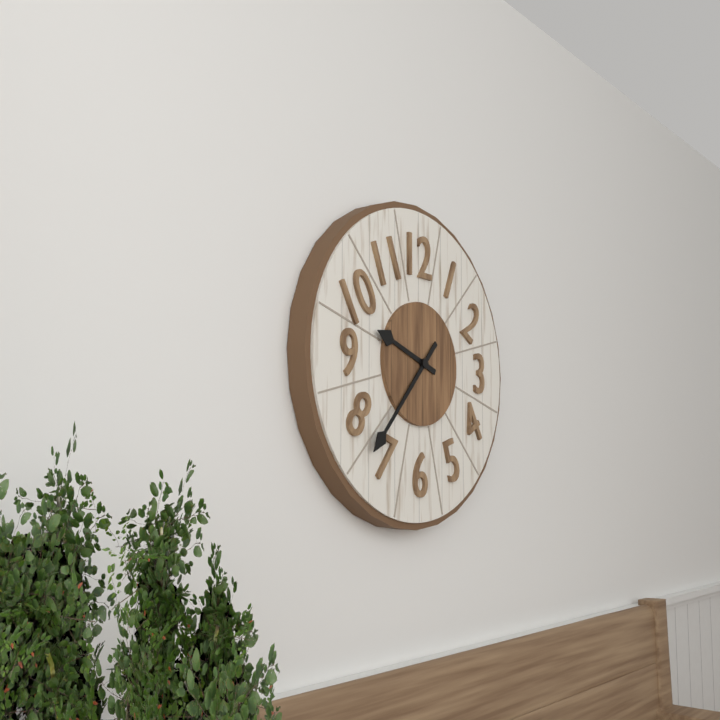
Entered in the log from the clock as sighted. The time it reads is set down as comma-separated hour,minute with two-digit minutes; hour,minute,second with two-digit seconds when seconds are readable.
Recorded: 9,37
